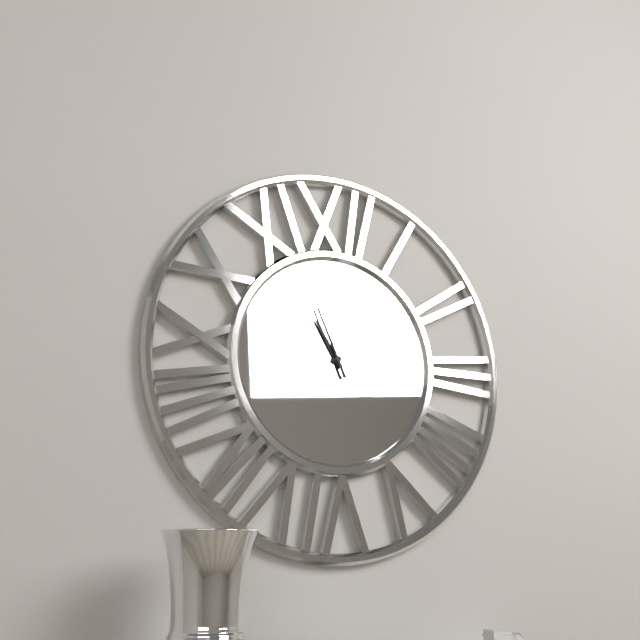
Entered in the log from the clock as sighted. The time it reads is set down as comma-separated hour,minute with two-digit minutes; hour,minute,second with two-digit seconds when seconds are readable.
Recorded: 10,56
